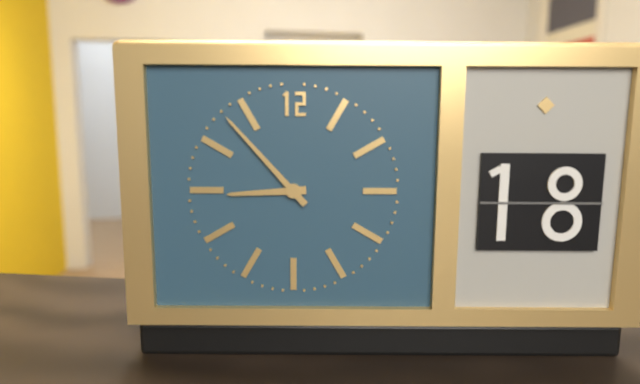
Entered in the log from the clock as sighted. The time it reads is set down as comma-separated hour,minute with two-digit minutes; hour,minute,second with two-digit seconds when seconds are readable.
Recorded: 8,53
